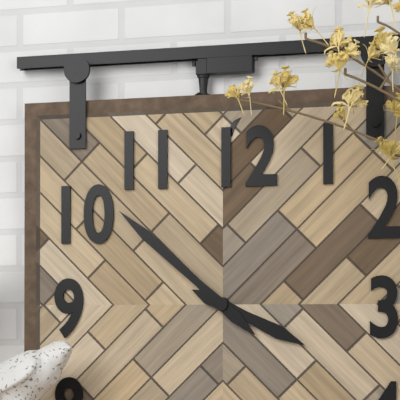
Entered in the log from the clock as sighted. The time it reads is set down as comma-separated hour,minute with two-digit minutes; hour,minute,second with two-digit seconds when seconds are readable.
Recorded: 3,52
